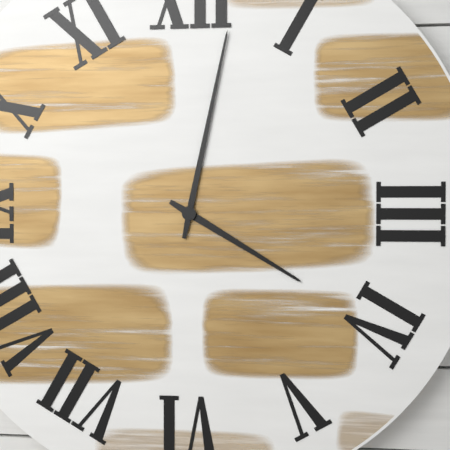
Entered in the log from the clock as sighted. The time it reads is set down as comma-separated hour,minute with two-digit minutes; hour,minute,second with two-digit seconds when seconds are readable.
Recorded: 4,02
